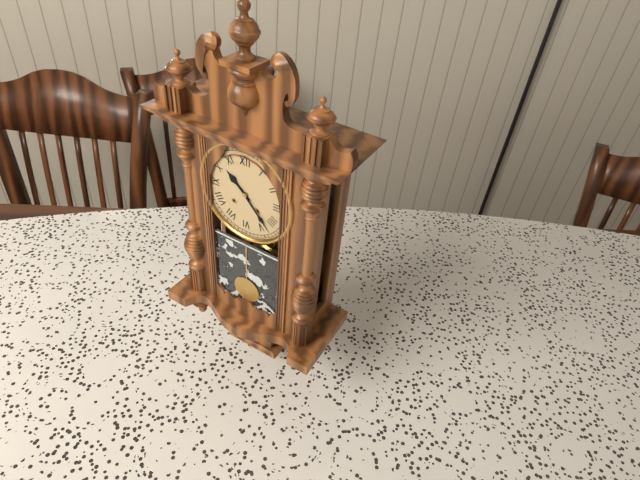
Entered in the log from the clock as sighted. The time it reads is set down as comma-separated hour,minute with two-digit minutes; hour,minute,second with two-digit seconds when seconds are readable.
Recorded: 10,23
